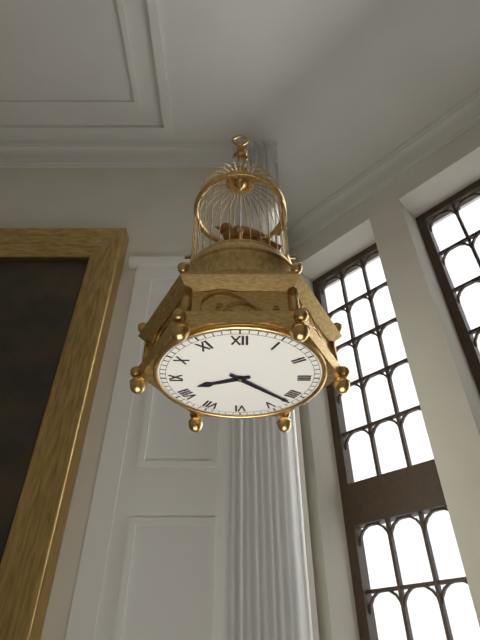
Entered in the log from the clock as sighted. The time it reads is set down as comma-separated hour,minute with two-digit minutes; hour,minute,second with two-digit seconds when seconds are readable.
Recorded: 8,22
